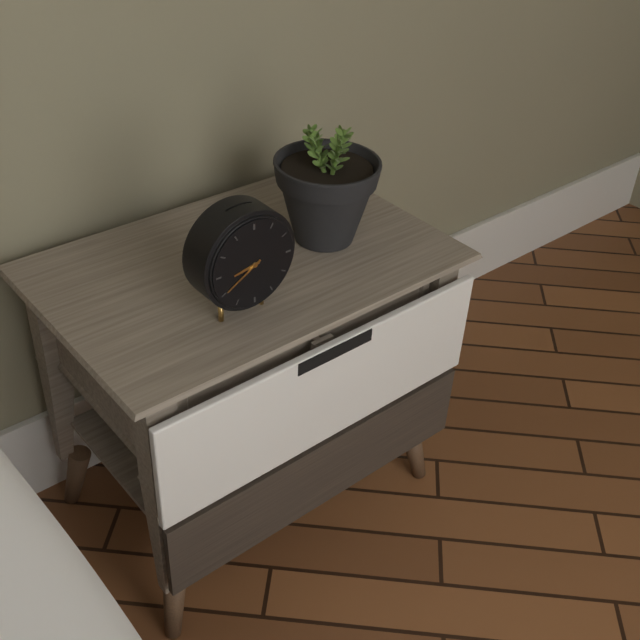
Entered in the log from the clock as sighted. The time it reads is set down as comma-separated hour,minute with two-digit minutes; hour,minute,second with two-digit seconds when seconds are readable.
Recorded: 8,40
